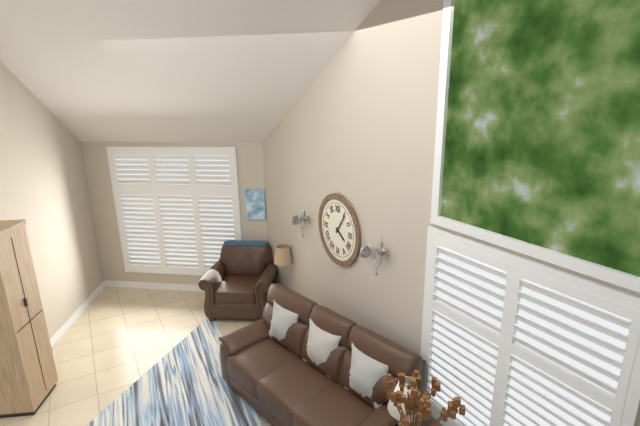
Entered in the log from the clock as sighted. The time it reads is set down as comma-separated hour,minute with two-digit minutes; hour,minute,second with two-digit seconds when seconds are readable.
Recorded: 4,06
